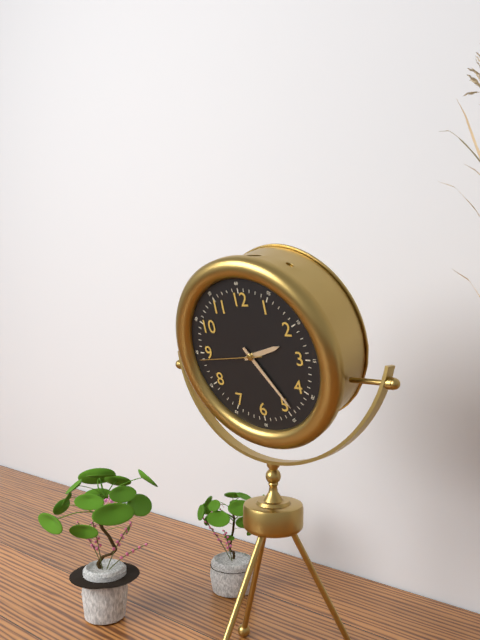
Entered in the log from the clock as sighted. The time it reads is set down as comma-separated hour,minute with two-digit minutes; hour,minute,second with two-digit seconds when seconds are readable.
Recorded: 2,24,44
